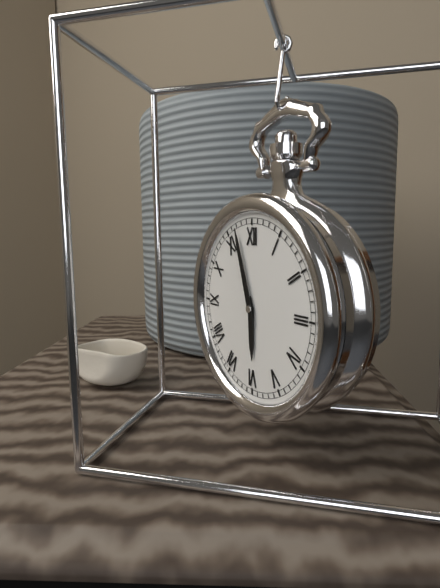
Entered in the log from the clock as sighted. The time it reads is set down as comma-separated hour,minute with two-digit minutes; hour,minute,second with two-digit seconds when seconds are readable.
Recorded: 5,57
